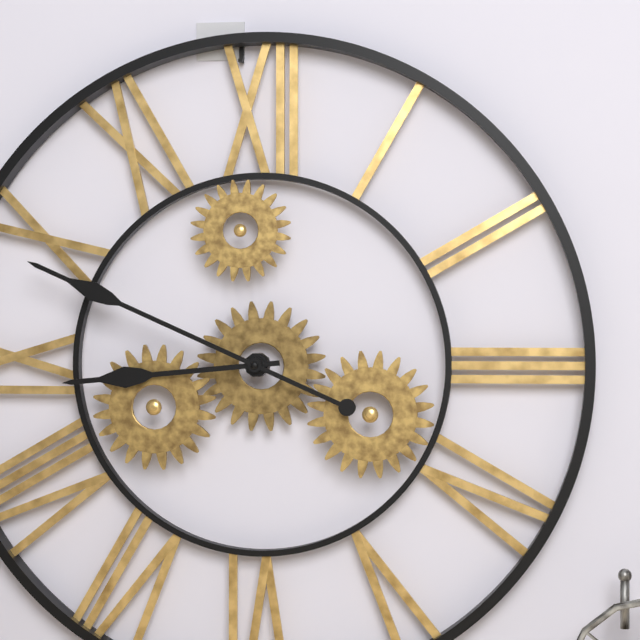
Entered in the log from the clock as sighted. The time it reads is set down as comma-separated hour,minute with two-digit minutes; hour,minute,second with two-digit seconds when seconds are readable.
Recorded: 8,49
